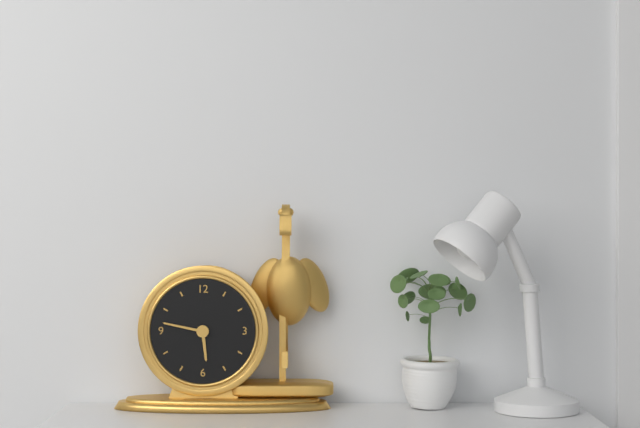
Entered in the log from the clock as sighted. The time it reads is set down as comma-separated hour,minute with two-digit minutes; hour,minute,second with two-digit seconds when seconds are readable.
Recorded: 5,47
